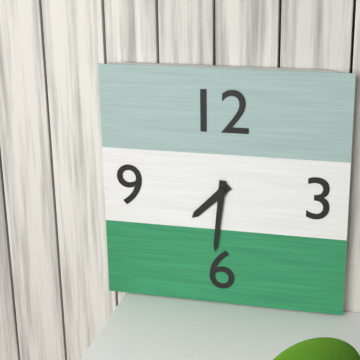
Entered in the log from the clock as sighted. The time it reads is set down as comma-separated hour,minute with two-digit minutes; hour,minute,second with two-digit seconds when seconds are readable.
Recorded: 7,31
